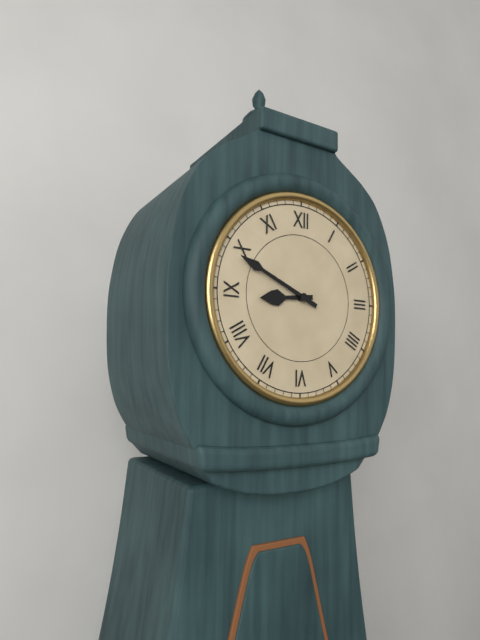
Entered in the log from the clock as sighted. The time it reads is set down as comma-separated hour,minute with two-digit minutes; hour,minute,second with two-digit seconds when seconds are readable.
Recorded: 8,49
